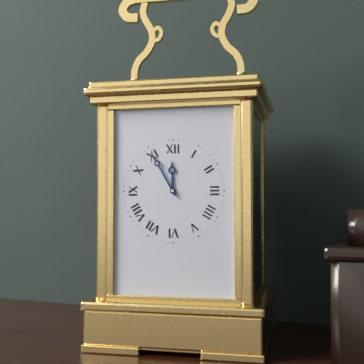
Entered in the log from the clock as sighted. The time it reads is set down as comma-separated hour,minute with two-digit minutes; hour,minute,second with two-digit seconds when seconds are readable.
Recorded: 11,55
